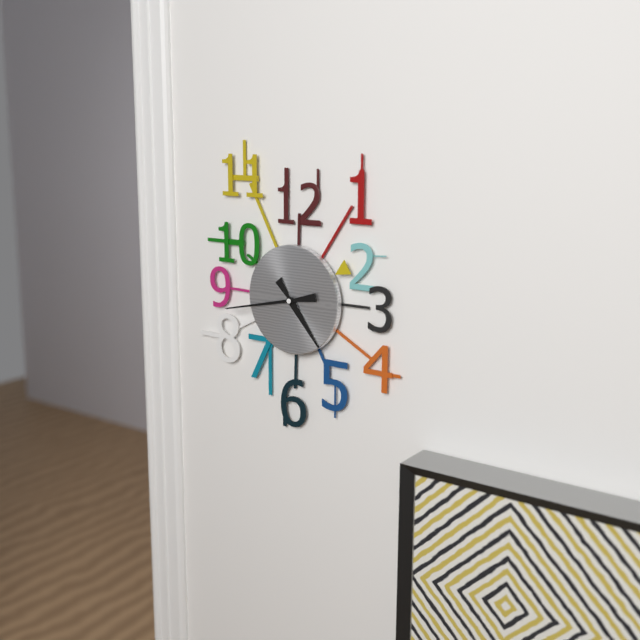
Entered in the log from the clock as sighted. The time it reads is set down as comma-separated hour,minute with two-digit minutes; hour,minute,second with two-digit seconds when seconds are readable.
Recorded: 4,43
